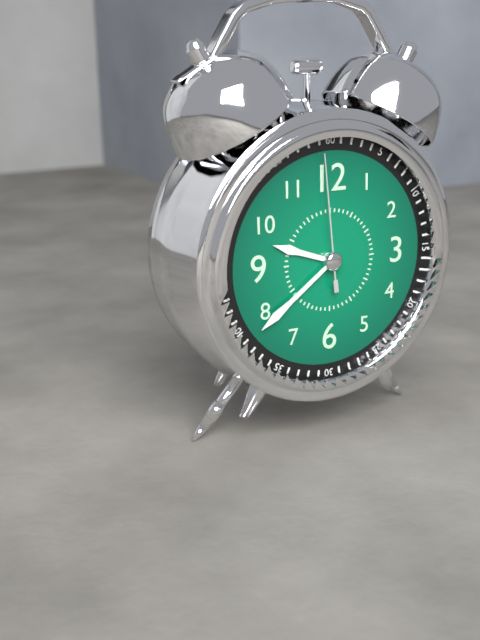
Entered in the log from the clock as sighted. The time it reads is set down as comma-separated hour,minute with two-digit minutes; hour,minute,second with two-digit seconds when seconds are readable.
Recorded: 9,39,59
